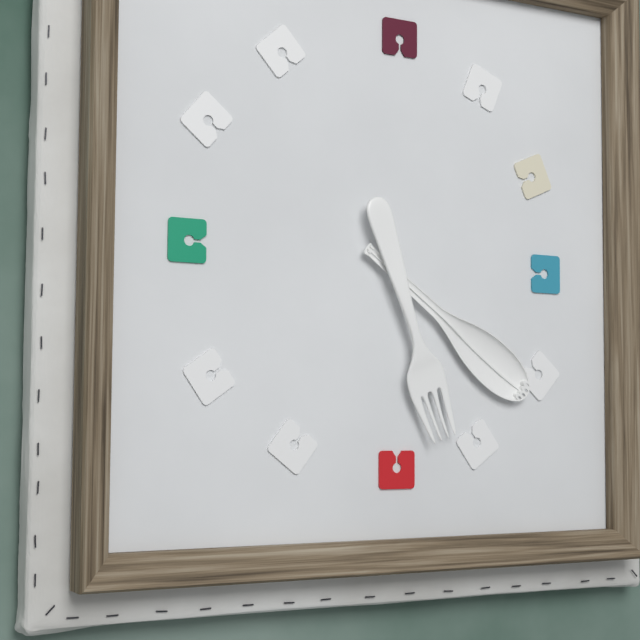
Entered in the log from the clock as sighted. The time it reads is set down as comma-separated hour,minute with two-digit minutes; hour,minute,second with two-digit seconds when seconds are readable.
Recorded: 5,21
